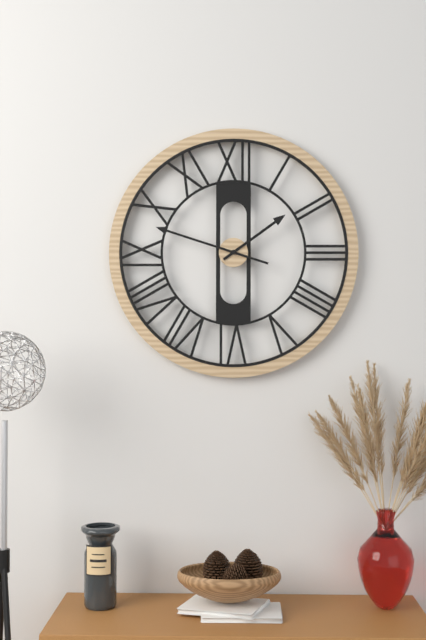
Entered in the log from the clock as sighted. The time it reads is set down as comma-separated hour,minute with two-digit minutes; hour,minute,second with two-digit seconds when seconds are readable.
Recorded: 1,48
